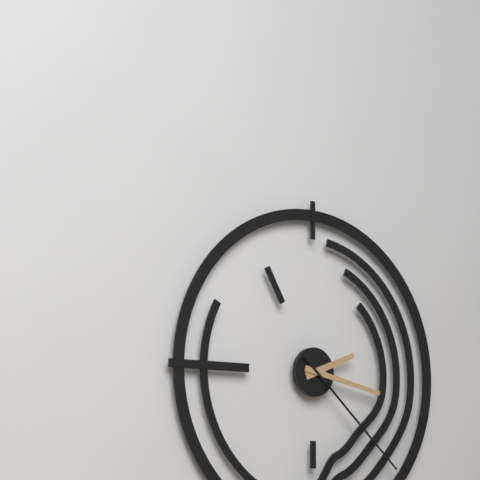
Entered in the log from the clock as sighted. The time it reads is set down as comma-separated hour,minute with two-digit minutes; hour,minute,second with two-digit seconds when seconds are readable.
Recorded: 2,17,22
